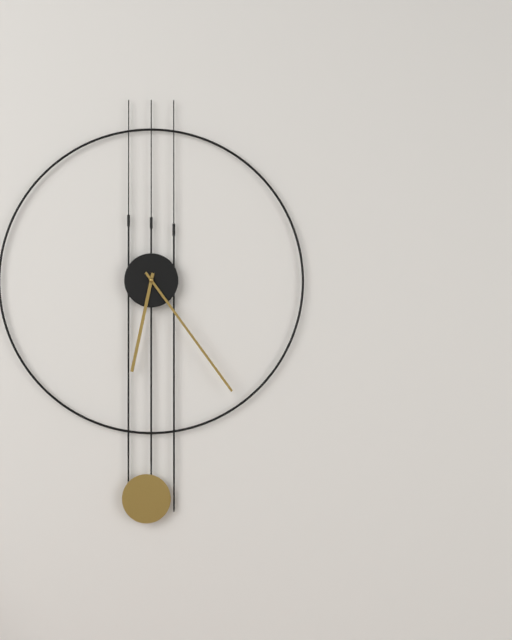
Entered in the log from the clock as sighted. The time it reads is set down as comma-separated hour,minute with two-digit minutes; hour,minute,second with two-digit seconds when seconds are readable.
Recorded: 6,24
